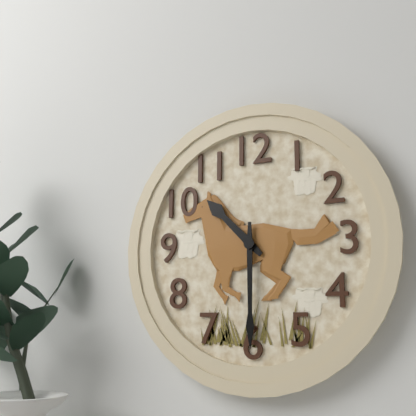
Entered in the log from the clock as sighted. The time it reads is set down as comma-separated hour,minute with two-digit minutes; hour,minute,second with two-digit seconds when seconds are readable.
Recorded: 10,30
